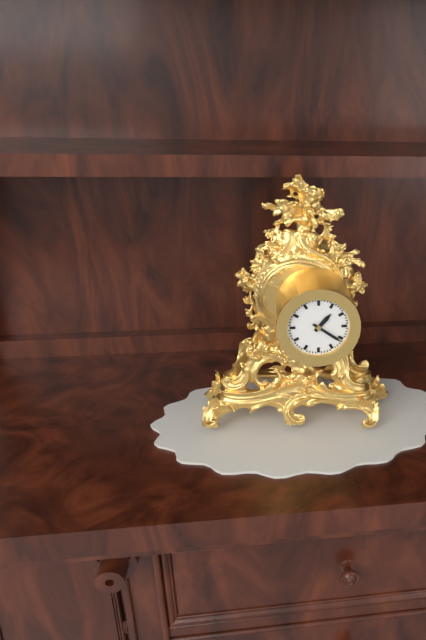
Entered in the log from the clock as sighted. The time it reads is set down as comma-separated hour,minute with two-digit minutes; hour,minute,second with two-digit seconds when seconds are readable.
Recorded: 1,21
